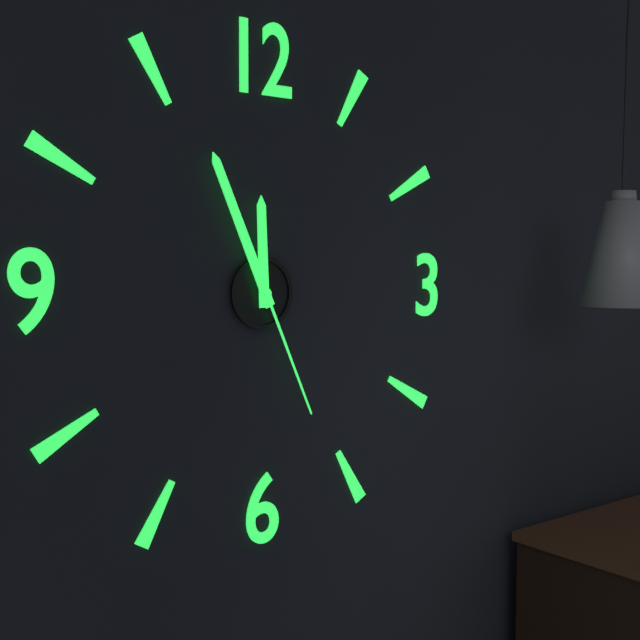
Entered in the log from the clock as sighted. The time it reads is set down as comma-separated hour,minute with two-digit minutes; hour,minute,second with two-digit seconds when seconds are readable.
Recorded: 11,56,26
